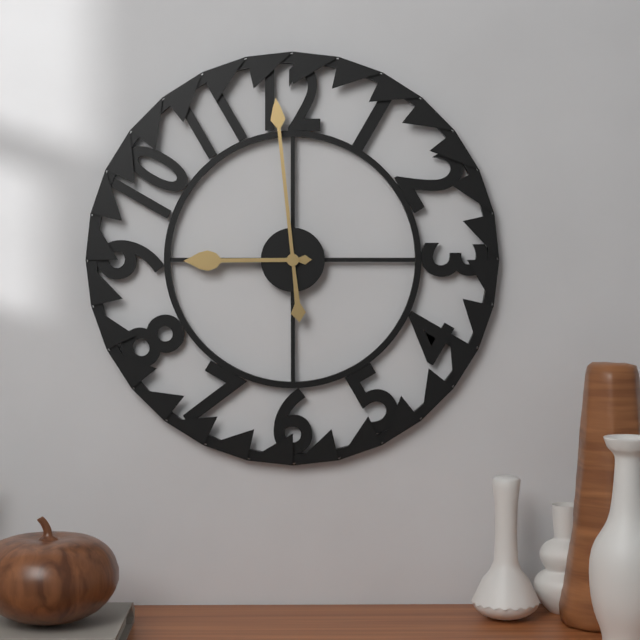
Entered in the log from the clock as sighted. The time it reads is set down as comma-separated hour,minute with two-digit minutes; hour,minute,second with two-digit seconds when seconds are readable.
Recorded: 8,59
